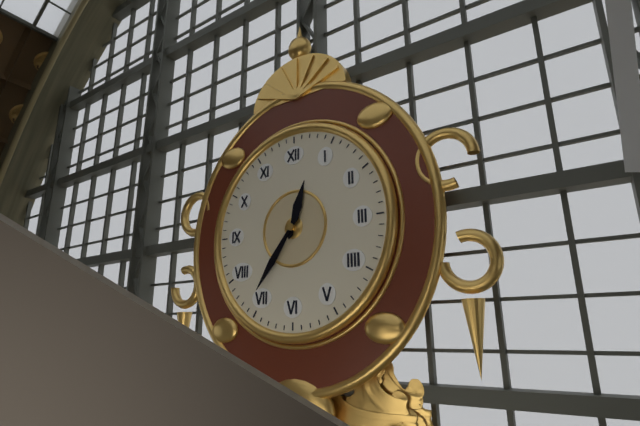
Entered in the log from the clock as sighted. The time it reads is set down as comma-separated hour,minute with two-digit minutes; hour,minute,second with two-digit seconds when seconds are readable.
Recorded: 12,36
